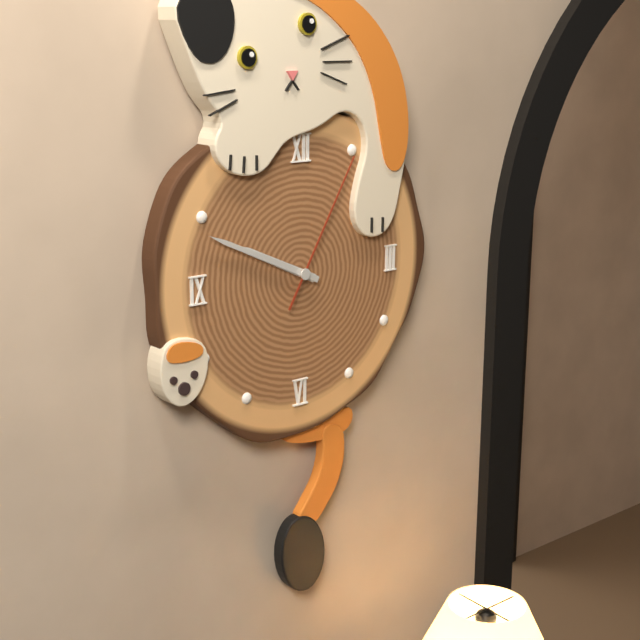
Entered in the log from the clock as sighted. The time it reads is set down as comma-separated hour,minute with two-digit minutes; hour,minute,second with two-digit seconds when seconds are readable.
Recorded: 9,49,05
